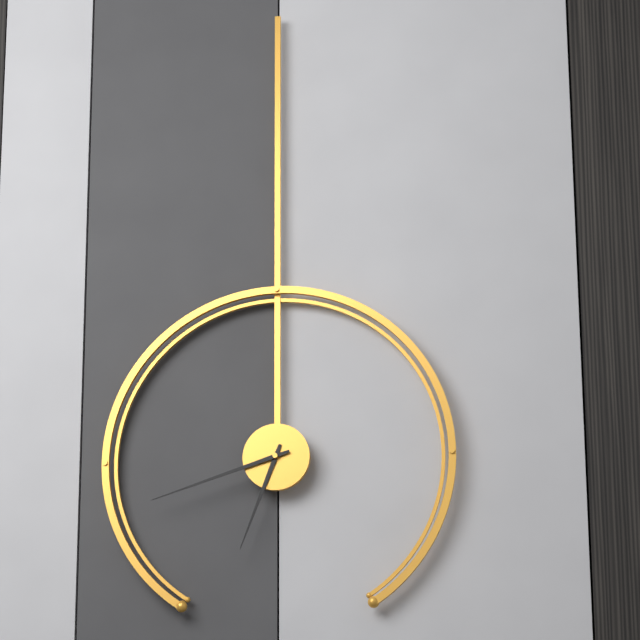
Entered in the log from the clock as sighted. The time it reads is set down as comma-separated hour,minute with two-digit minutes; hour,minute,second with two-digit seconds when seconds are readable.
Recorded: 6,42
